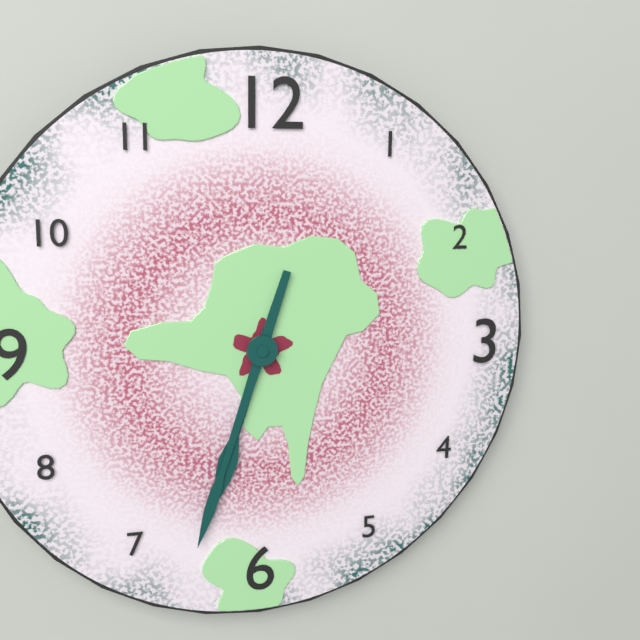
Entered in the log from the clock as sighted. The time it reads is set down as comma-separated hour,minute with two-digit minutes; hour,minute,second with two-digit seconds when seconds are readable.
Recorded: 6,33
